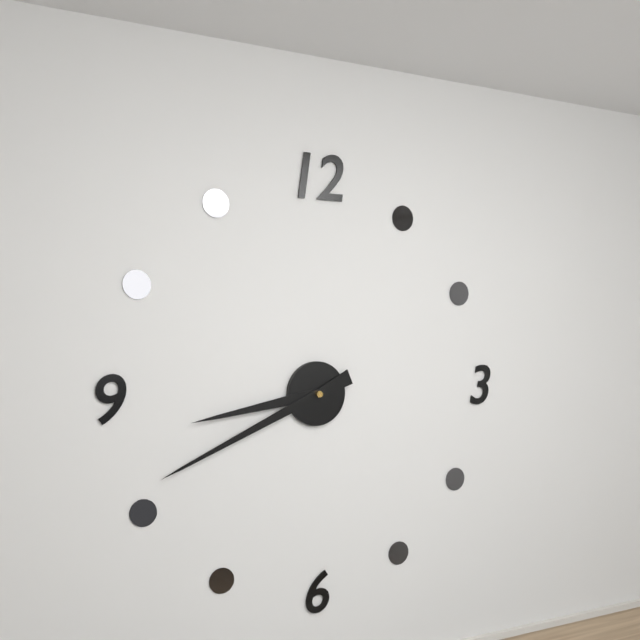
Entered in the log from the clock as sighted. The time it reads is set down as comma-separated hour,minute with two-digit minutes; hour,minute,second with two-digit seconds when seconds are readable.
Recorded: 8,41
